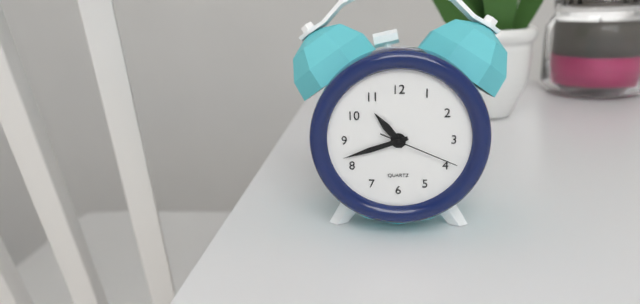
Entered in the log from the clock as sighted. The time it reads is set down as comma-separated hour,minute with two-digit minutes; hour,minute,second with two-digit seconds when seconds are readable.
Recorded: 10,42,19
